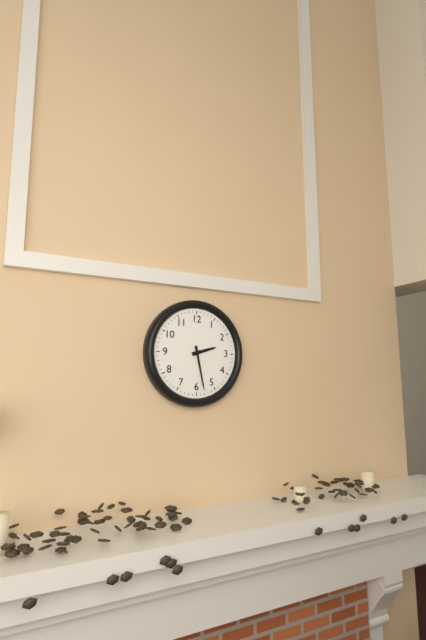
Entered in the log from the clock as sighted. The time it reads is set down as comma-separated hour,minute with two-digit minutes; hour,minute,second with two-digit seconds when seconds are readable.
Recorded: 2,28
